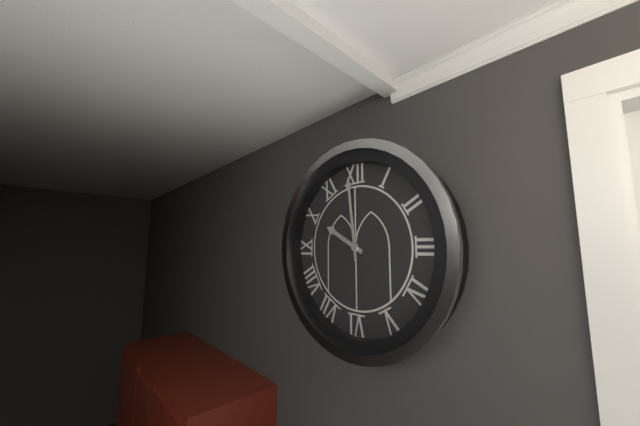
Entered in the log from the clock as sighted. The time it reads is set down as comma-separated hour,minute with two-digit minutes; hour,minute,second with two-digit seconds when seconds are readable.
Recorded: 9,59
